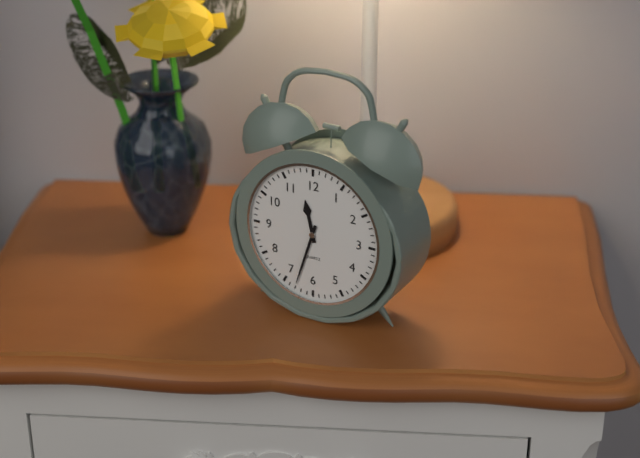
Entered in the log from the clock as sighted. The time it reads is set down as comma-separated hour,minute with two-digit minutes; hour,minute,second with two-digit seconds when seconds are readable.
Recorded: 11,33
